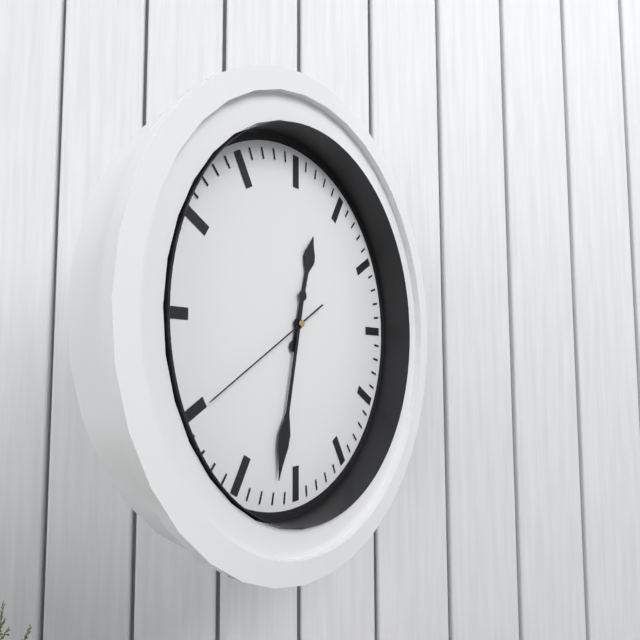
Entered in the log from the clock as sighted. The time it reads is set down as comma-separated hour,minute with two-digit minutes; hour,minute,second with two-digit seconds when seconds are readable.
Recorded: 12,32,40
